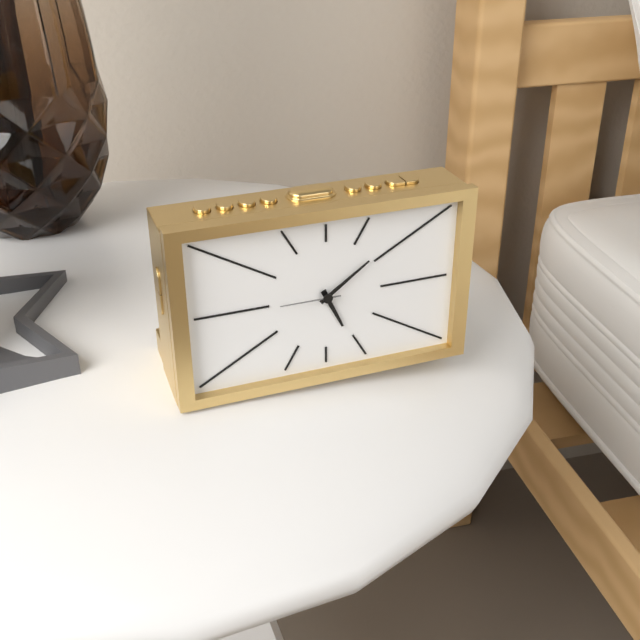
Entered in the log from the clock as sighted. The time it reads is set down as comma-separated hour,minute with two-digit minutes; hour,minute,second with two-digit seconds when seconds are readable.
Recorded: 5,09,45
